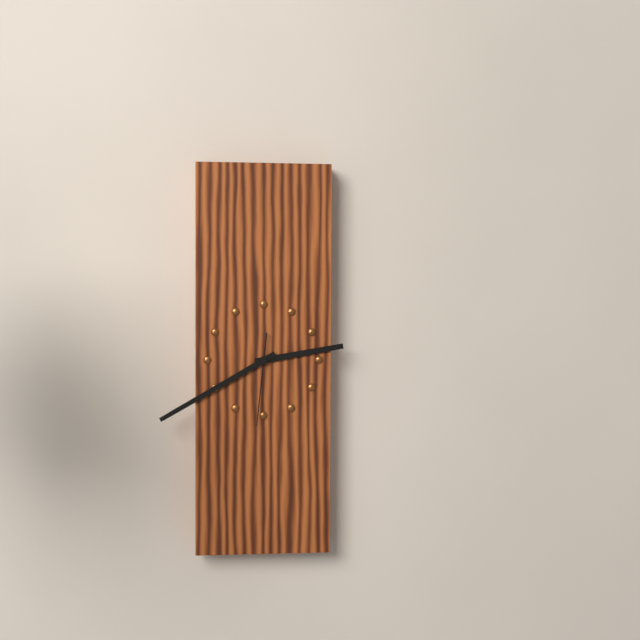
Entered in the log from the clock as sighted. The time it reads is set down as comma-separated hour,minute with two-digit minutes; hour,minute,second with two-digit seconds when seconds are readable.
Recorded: 2,40,31
